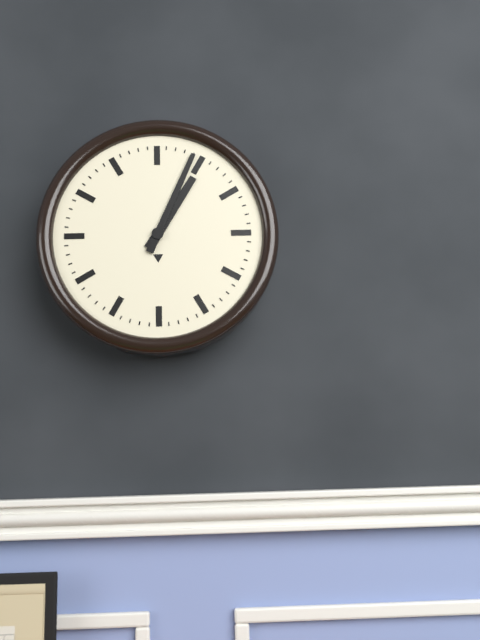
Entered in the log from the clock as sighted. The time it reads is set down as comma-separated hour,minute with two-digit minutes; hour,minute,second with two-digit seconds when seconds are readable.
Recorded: 1,04
